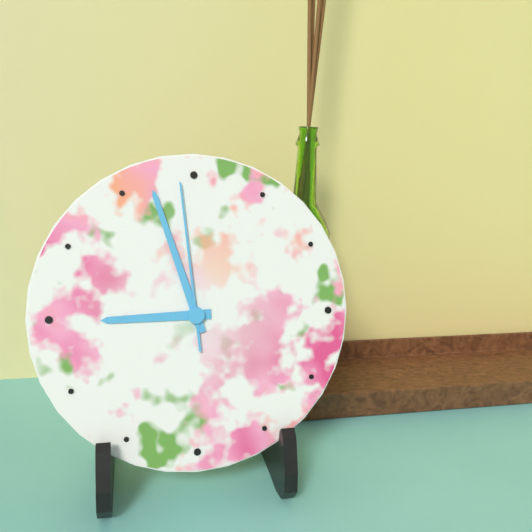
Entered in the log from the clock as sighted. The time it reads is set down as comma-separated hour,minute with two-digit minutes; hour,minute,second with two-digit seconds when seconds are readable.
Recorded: 8,57,59
